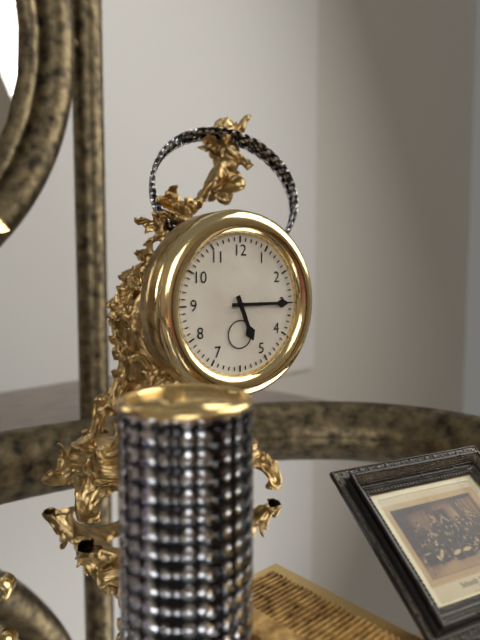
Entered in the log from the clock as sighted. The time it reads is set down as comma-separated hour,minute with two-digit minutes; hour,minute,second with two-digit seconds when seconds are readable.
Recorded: 5,15
